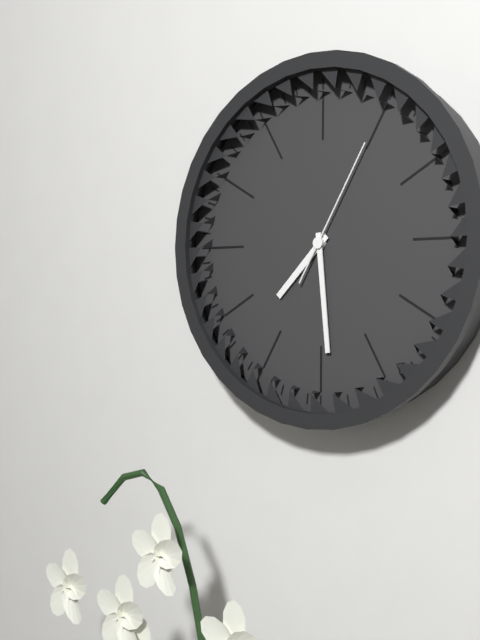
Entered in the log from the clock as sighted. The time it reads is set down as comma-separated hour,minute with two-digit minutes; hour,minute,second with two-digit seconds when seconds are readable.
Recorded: 7,29,05
